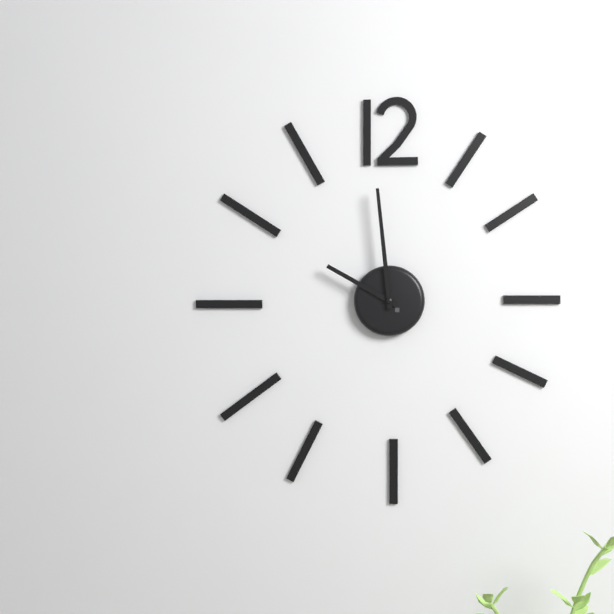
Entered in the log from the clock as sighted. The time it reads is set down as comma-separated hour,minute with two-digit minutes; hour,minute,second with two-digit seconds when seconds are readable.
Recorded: 9,59
